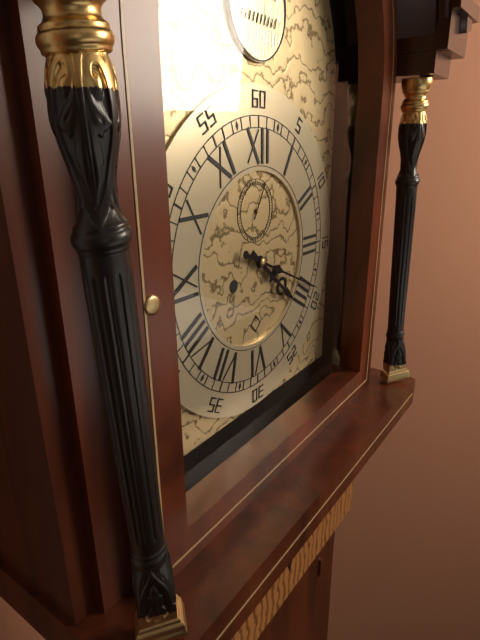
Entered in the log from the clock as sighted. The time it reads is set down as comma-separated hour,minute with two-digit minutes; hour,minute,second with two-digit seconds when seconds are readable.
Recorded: 4,19
